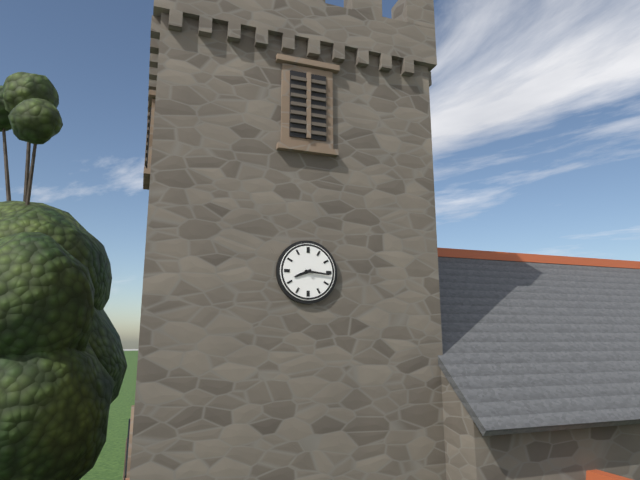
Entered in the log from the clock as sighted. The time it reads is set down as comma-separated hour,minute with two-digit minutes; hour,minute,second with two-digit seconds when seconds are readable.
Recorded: 8,16
